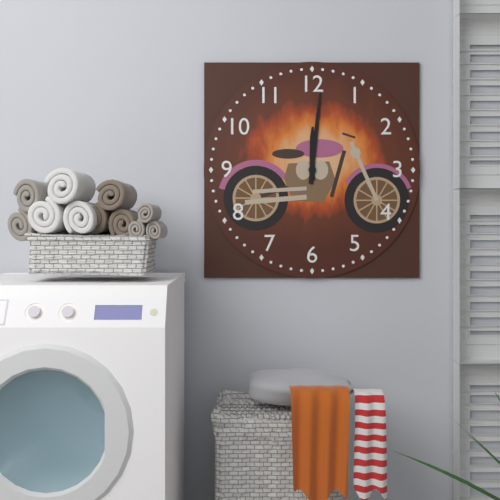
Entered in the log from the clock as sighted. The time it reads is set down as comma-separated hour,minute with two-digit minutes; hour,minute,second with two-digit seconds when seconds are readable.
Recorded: 12,01
